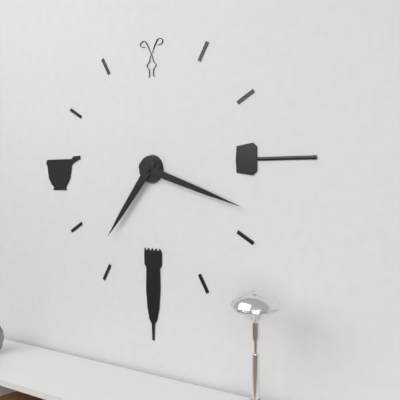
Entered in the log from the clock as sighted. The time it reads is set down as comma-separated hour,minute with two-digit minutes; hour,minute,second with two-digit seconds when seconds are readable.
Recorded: 7,18
